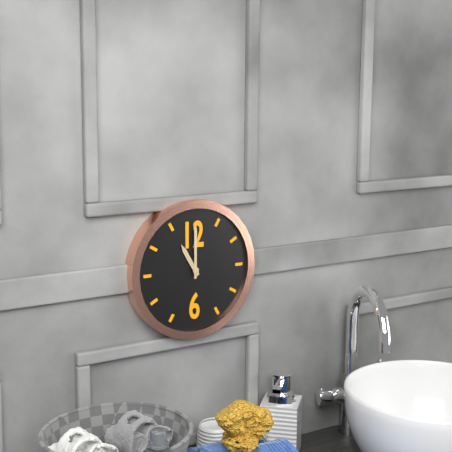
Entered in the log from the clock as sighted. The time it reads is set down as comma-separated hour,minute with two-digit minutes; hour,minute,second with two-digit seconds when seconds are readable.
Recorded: 11,00
